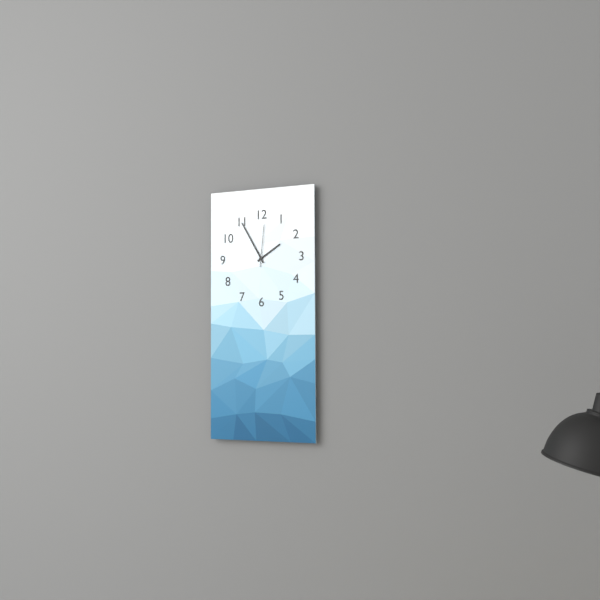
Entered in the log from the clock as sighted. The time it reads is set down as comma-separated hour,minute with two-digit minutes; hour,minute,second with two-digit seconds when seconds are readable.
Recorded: 1,55
